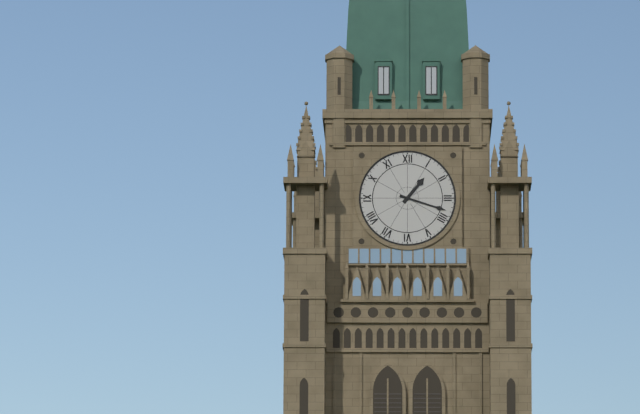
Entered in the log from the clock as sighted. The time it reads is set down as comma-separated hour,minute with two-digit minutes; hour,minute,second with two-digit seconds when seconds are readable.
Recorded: 1,18
